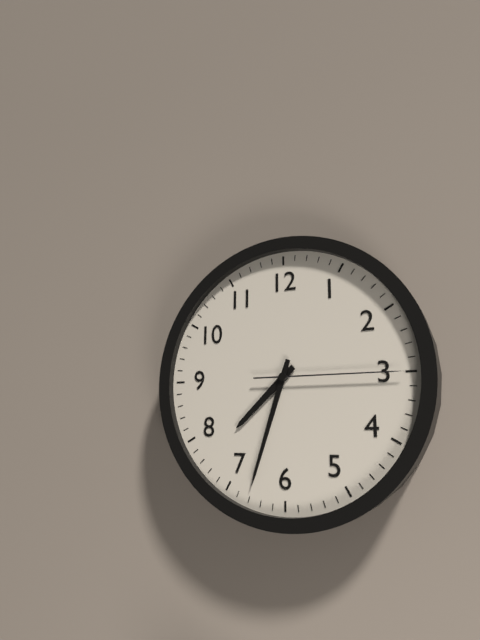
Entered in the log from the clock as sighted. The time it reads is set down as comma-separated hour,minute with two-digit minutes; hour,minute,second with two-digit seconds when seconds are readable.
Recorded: 7,33,15
